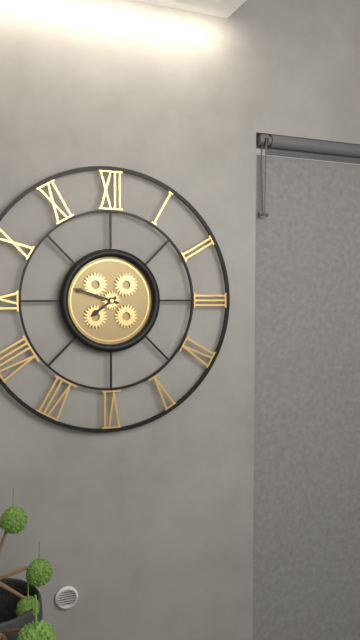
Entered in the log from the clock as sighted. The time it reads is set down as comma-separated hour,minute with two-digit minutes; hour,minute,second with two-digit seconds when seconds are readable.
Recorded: 7,48
